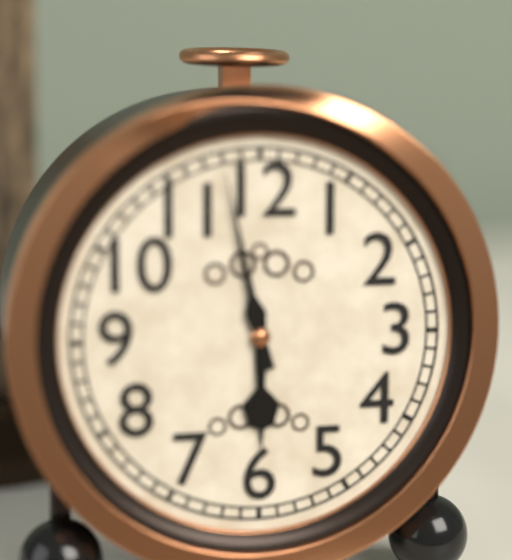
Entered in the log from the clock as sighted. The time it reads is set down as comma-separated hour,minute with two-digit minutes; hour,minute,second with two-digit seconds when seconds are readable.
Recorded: 5,58
